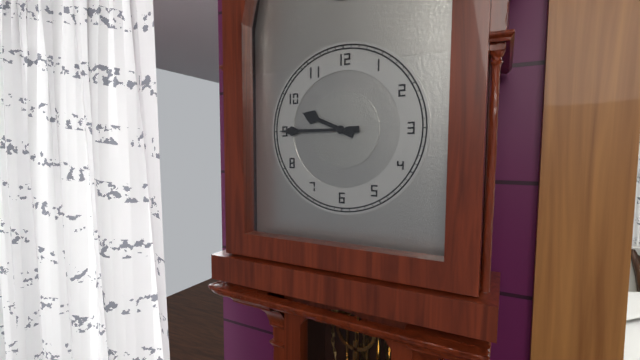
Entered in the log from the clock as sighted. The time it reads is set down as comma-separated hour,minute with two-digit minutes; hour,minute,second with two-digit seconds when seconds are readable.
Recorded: 9,45
